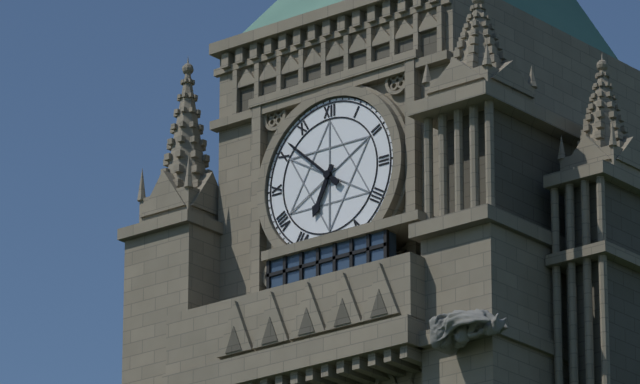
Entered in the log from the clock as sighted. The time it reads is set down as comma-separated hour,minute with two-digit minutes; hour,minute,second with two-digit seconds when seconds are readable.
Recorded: 6,52
